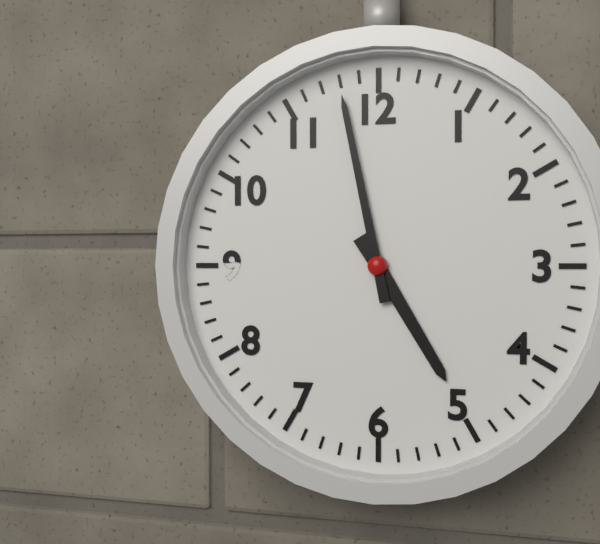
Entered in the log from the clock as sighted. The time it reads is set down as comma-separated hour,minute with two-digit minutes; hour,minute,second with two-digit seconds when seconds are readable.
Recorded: 4,58
